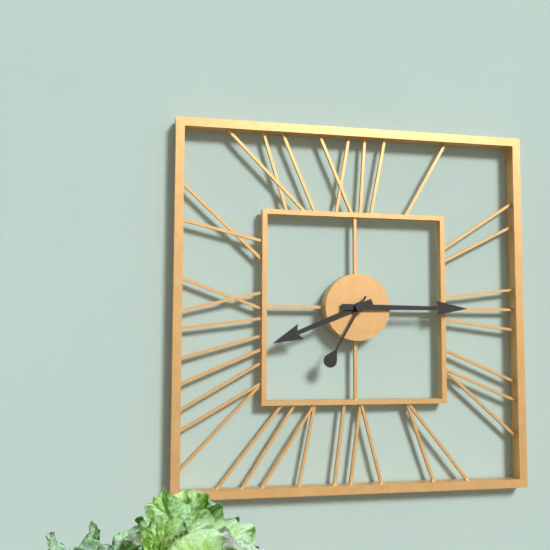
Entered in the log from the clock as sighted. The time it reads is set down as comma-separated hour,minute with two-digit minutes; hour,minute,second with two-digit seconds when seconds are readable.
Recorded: 8,15,35
